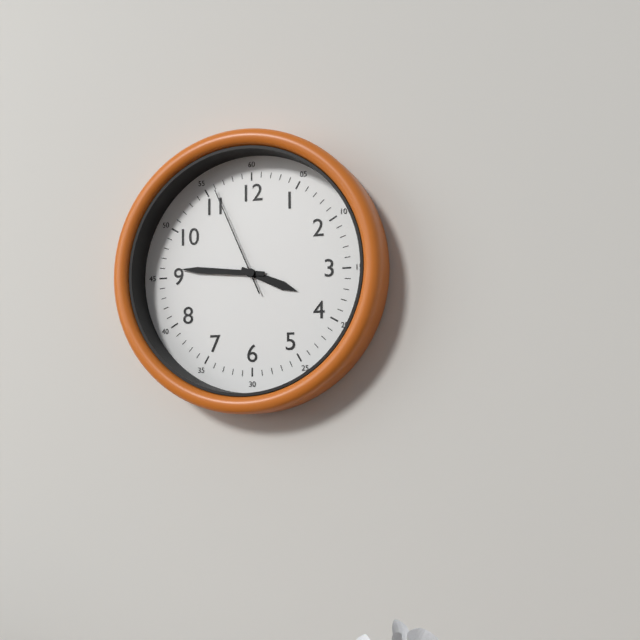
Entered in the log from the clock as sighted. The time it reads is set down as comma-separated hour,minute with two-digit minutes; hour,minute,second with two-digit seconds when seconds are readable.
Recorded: 3,46,56
